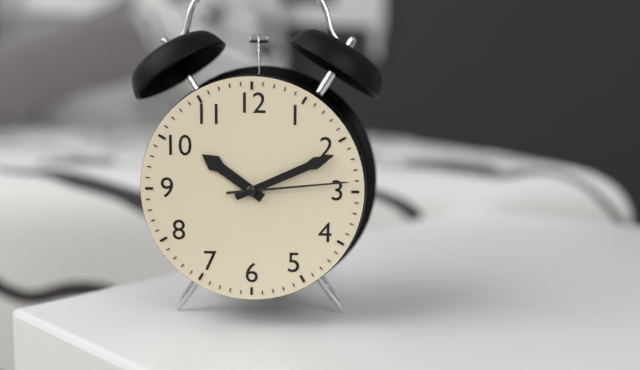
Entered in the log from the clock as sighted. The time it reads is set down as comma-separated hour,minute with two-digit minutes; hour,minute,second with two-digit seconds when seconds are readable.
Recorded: 10,11,14
